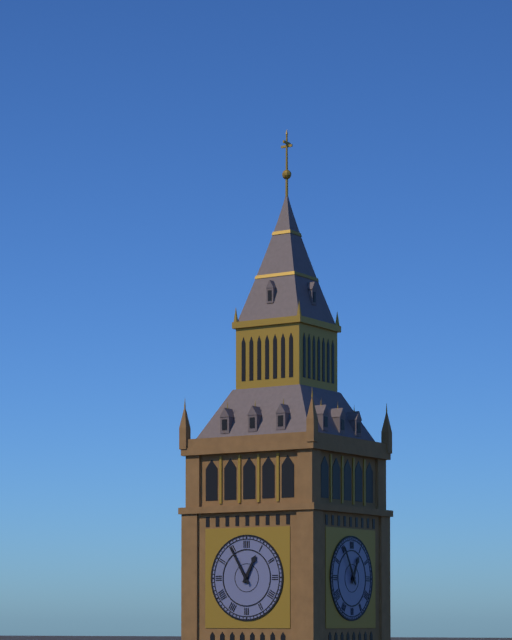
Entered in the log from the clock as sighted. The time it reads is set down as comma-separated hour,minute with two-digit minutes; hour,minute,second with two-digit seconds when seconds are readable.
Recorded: 12,55
